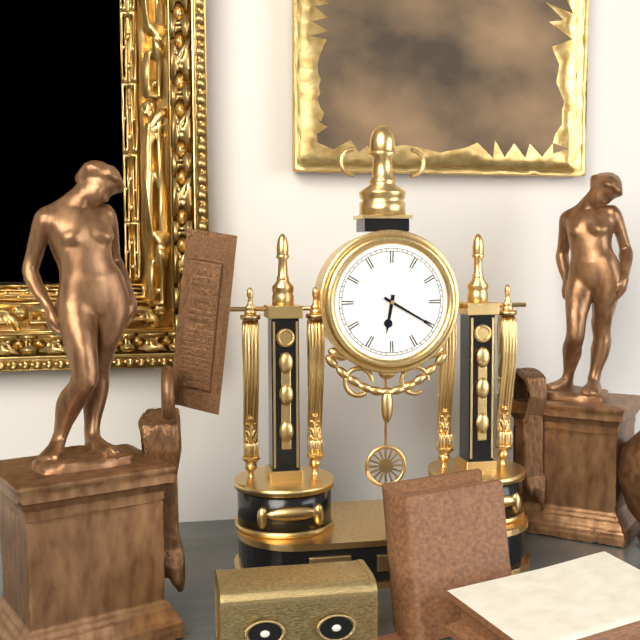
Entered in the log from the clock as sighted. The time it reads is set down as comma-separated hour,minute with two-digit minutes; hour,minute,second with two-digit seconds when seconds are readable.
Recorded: 6,20
